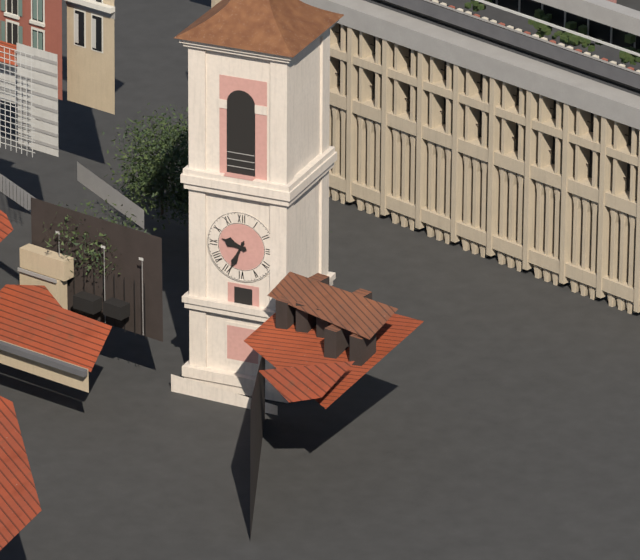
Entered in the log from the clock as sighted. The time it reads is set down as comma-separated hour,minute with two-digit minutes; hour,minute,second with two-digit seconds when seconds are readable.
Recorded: 9,34
